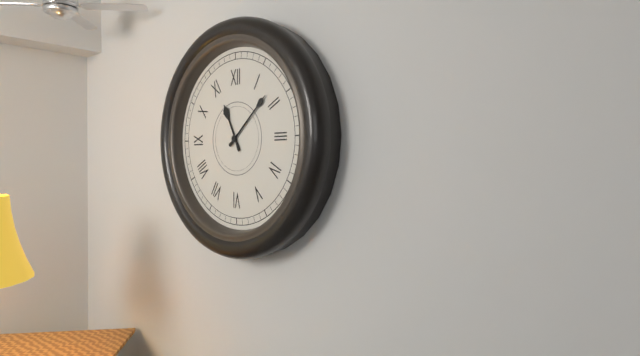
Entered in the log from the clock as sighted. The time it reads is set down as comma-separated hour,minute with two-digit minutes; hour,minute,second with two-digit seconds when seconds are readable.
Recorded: 11,08
